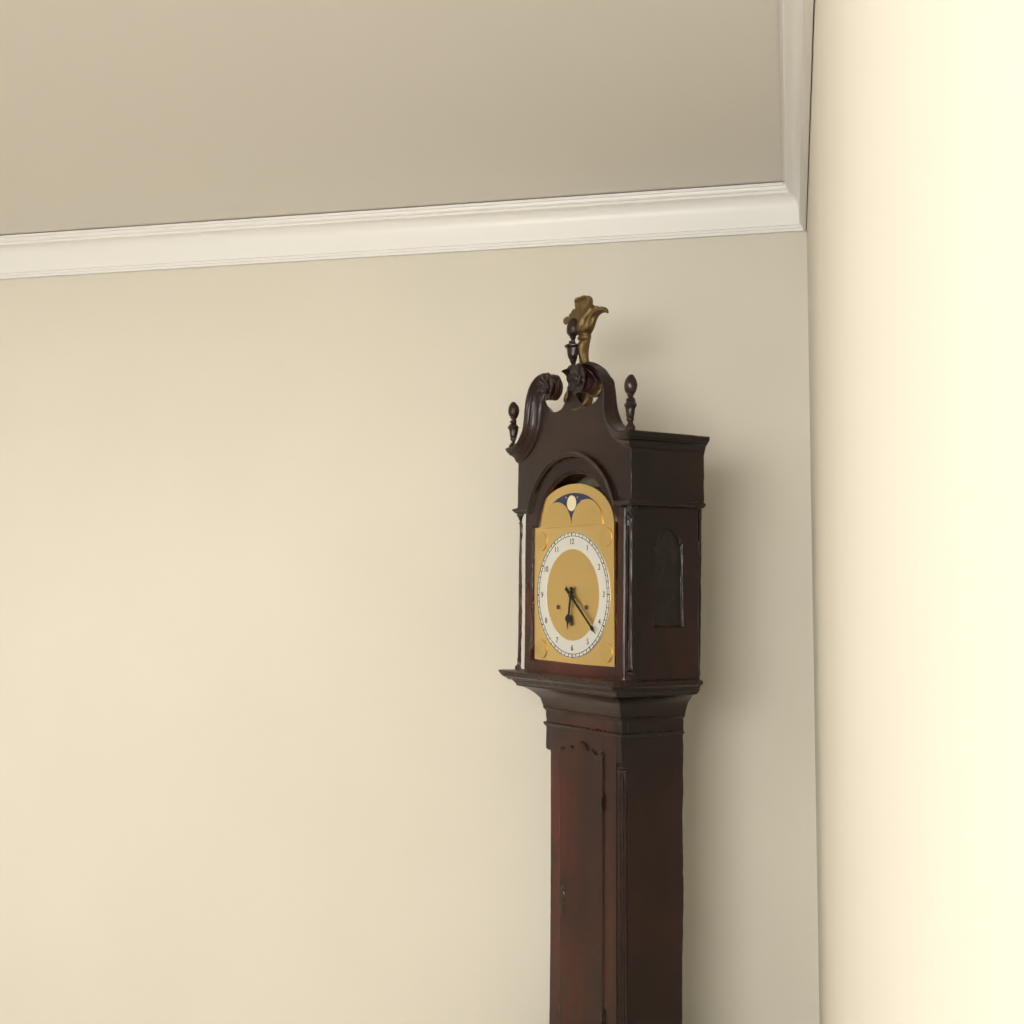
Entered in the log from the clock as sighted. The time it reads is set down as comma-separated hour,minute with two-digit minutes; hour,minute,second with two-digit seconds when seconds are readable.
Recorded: 6,22
